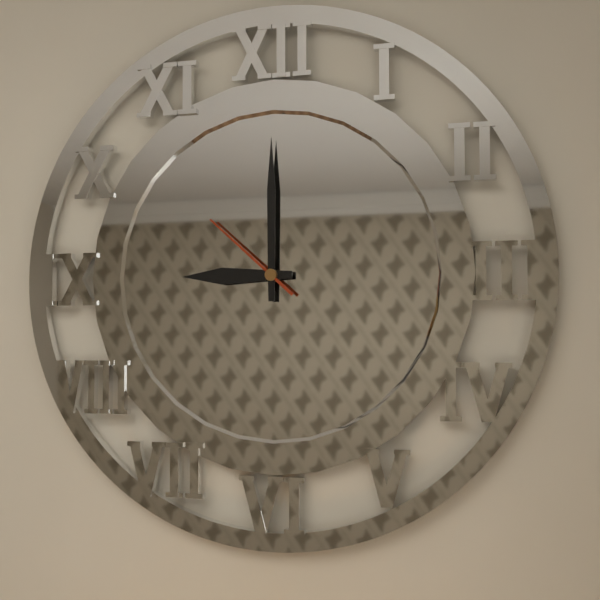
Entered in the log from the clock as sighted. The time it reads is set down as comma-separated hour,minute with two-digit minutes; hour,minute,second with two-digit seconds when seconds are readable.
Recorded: 9,00,52
